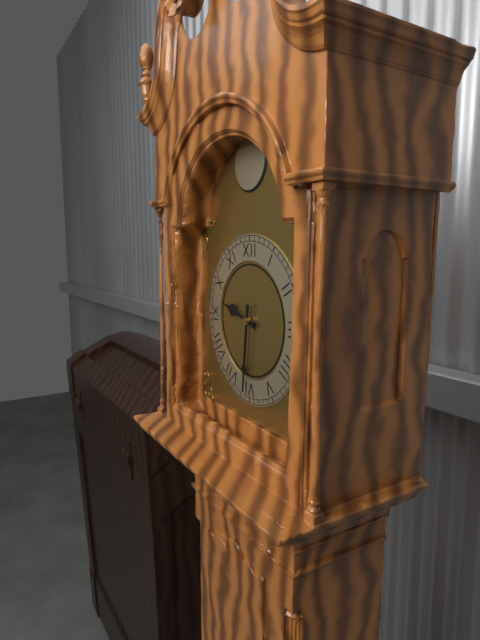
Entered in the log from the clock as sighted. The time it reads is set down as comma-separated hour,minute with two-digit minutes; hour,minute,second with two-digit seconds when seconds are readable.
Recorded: 9,31
